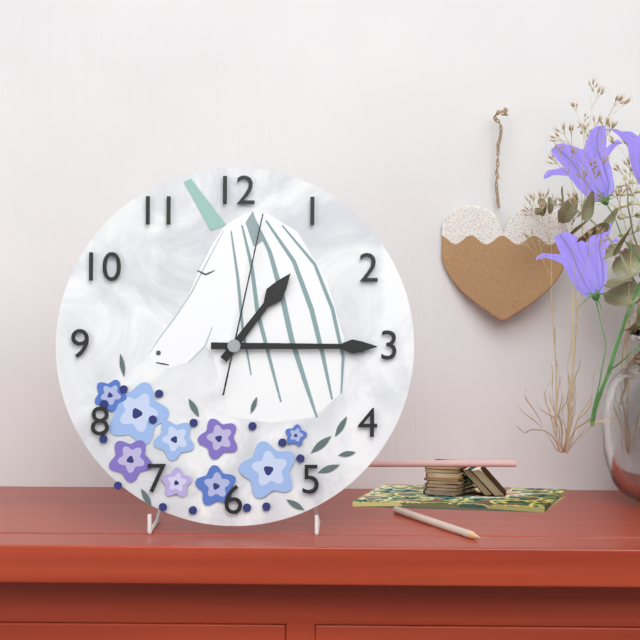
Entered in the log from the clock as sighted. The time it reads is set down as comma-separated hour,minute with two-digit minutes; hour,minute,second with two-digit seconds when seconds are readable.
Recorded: 1,15,02
